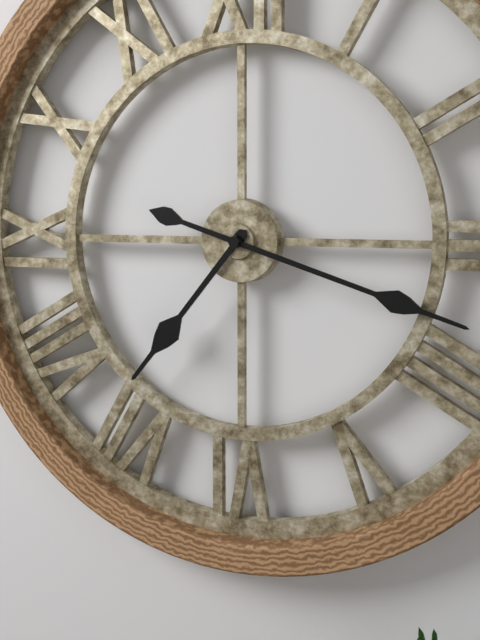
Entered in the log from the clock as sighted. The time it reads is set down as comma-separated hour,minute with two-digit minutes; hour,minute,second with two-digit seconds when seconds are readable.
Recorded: 7,18
